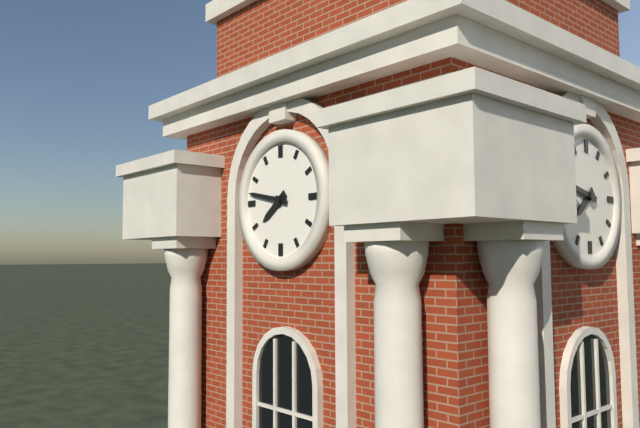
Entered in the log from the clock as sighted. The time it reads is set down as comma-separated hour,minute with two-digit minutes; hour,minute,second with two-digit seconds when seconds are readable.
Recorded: 7,47
